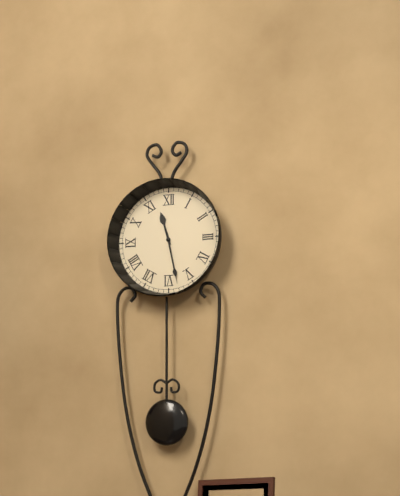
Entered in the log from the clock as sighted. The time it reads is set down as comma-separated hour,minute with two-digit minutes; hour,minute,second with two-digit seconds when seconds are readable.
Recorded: 11,28
